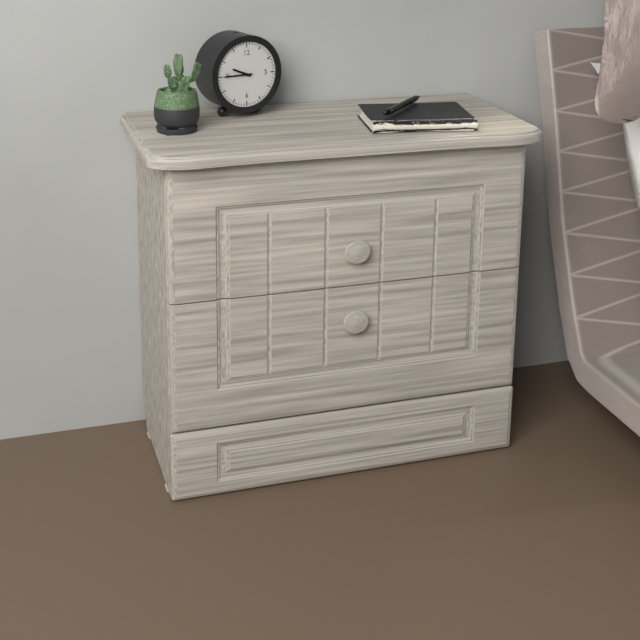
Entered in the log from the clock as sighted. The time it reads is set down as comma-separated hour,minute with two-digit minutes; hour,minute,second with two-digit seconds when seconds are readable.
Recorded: 9,45
